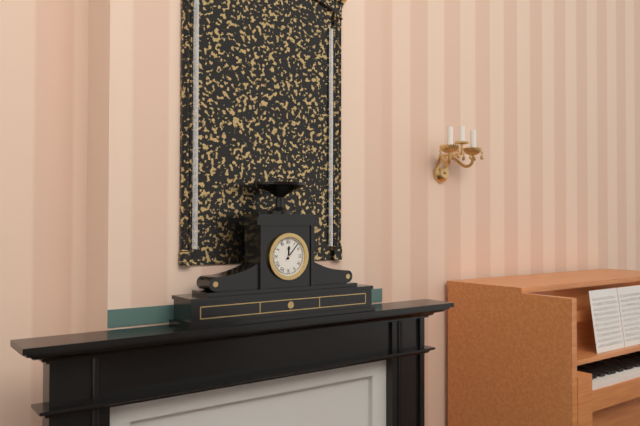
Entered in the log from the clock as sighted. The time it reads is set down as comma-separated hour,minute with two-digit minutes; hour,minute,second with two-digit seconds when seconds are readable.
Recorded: 12,07
